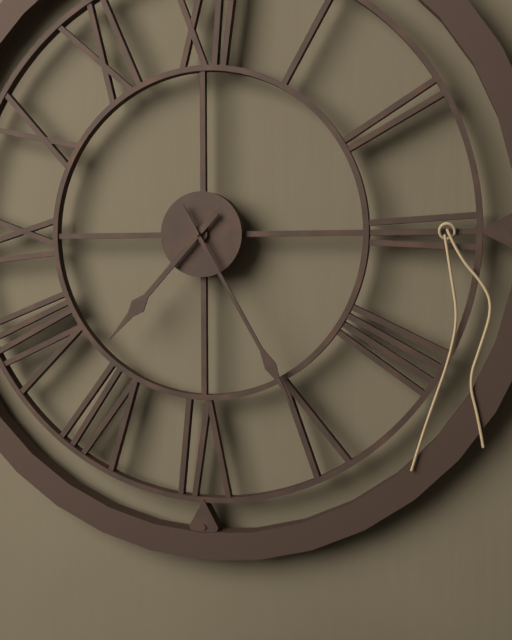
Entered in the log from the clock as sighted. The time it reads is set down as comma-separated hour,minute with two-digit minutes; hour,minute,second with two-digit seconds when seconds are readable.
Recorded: 7,25
